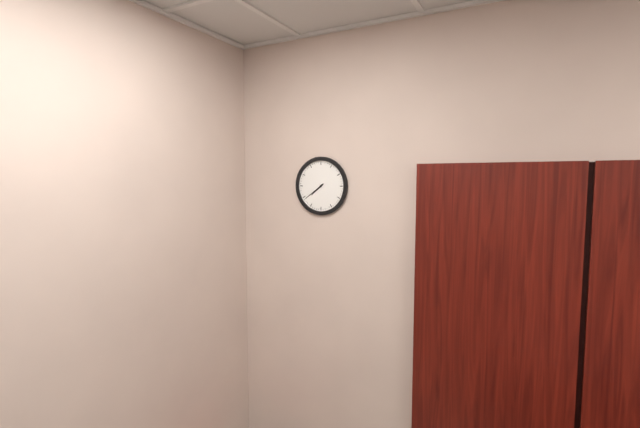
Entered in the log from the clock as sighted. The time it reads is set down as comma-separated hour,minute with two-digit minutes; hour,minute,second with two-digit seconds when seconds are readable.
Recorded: 7,39
